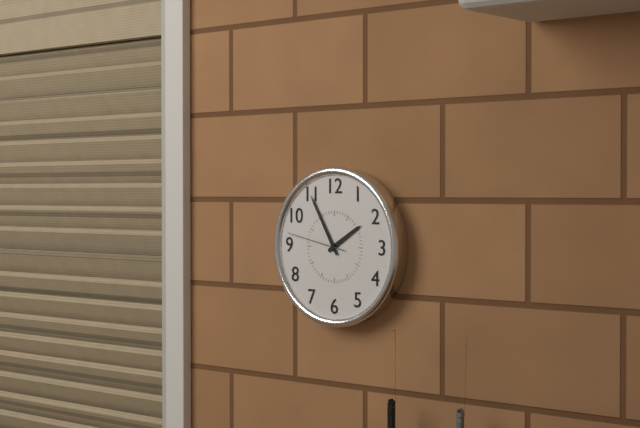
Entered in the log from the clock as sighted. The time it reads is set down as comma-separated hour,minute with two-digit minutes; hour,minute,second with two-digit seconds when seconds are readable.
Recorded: 1,55,47
